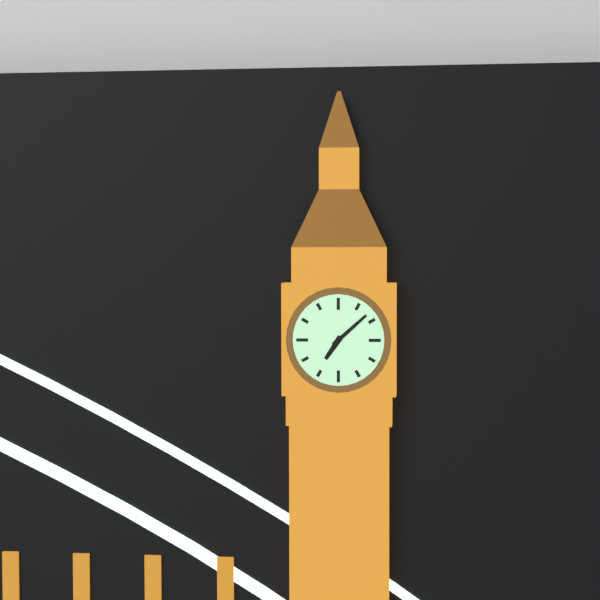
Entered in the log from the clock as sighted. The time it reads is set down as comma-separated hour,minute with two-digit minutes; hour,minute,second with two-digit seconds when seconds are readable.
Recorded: 7,08
